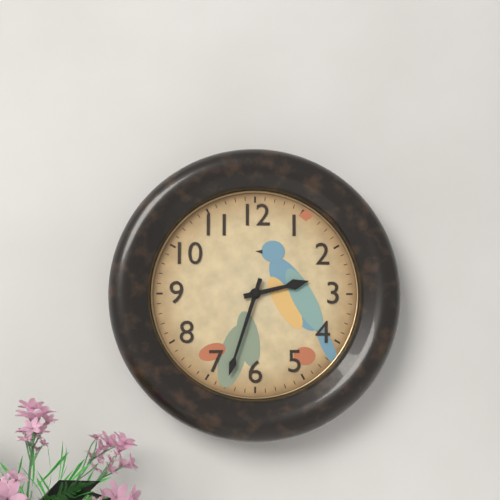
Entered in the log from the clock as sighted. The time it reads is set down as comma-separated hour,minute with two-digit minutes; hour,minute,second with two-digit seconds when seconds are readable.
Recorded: 2,33
